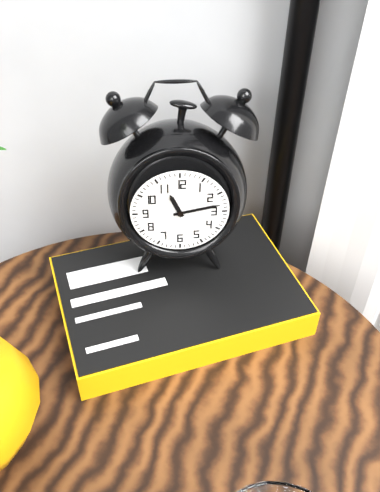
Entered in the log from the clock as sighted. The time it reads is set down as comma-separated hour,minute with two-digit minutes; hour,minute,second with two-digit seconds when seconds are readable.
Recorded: 11,13
